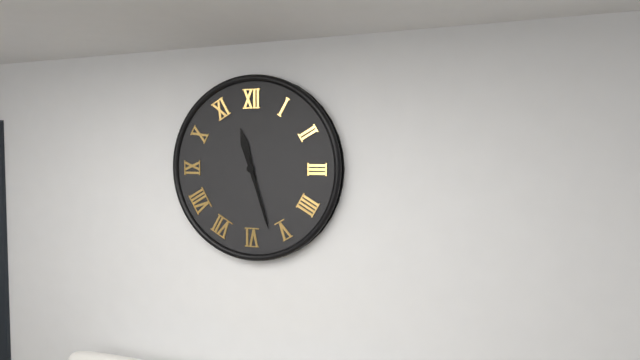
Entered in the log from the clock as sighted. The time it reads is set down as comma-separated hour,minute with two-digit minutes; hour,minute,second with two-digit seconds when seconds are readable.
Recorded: 11,27
